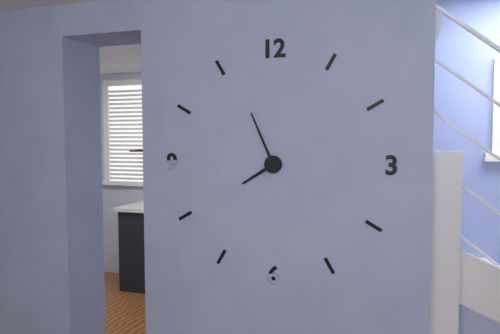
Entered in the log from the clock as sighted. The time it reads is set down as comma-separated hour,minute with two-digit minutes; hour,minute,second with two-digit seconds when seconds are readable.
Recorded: 7,56
